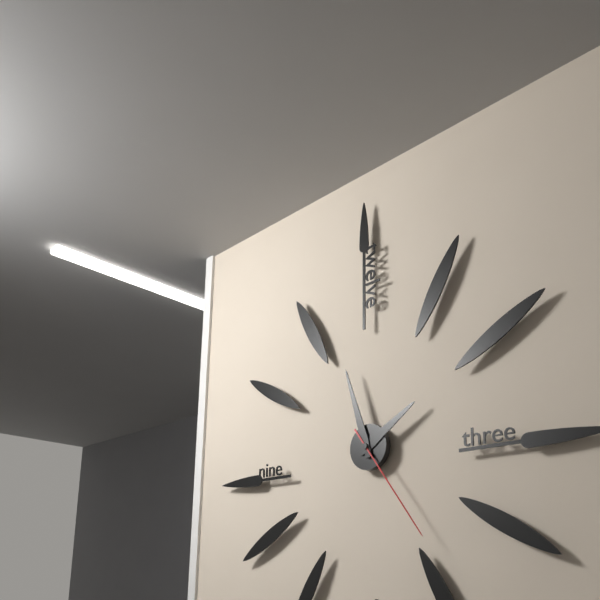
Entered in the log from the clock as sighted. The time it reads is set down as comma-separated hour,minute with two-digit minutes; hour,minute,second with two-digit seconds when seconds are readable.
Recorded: 1,57,24
